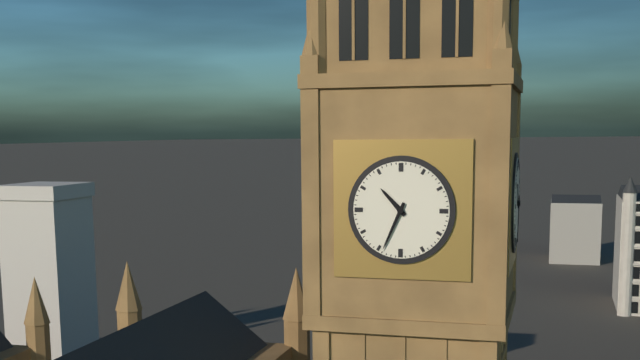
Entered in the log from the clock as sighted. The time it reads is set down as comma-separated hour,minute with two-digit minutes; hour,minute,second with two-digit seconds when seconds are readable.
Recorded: 10,34
